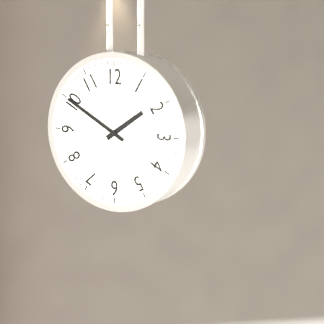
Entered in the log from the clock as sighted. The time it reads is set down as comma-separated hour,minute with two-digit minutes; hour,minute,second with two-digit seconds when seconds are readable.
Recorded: 1,50
